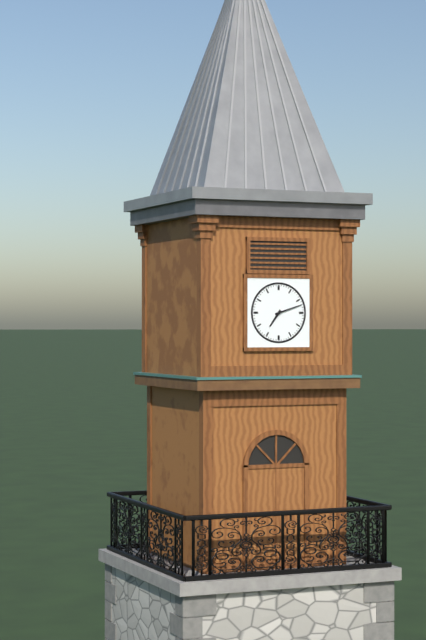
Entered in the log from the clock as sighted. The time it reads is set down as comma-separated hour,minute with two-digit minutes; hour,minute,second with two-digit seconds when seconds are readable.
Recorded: 7,12
